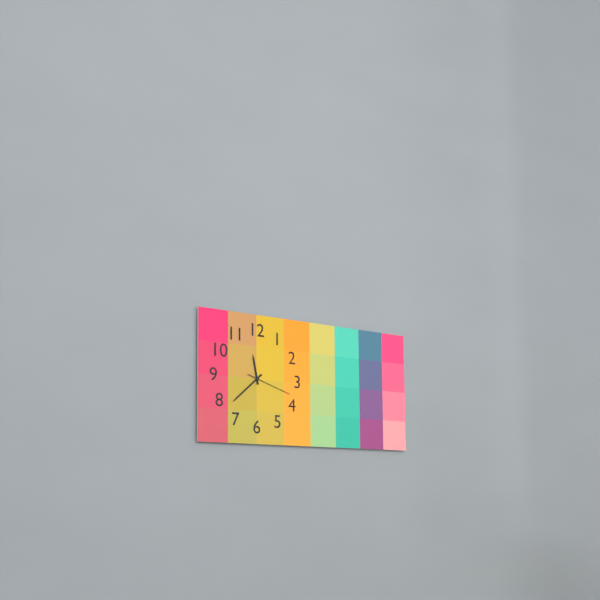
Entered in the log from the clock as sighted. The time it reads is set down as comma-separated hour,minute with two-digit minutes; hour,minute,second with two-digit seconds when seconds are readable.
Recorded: 11,38
